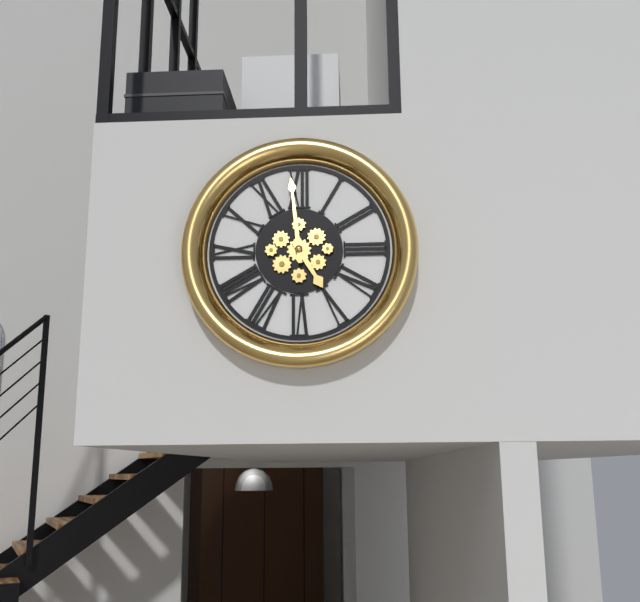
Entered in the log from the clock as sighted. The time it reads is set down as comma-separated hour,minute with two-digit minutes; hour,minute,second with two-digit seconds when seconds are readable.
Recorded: 4,59
